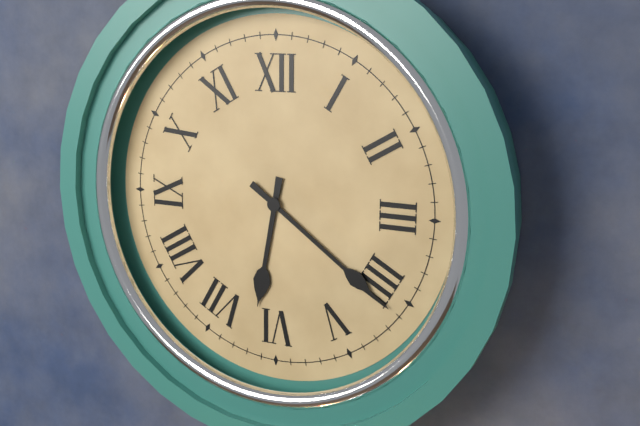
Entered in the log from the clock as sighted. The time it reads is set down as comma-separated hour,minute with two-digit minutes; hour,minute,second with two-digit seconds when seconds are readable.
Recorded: 6,21
